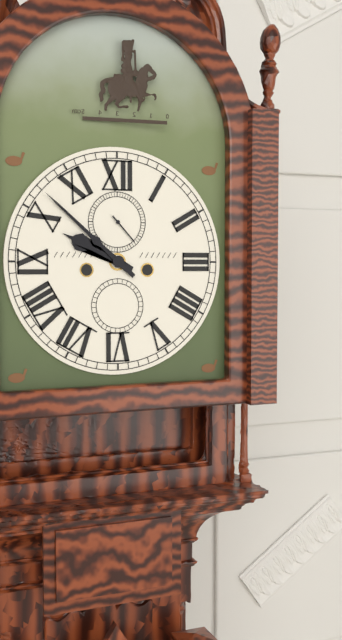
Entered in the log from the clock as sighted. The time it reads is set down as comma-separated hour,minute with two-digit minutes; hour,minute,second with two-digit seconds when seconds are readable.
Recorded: 9,52
